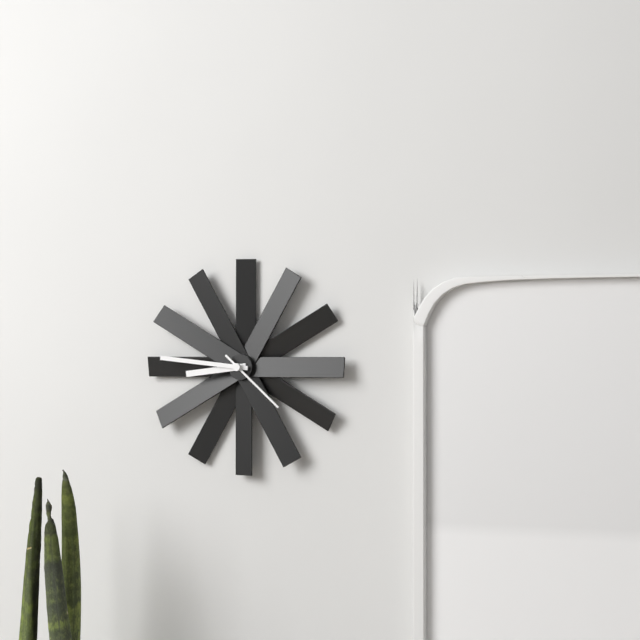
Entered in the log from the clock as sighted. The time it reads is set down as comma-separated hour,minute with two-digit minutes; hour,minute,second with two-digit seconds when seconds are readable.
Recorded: 8,46,22
